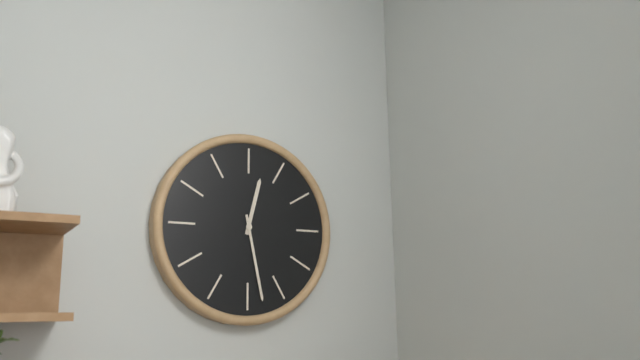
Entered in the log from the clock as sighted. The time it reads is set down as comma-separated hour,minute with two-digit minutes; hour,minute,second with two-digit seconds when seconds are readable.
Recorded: 12,28
